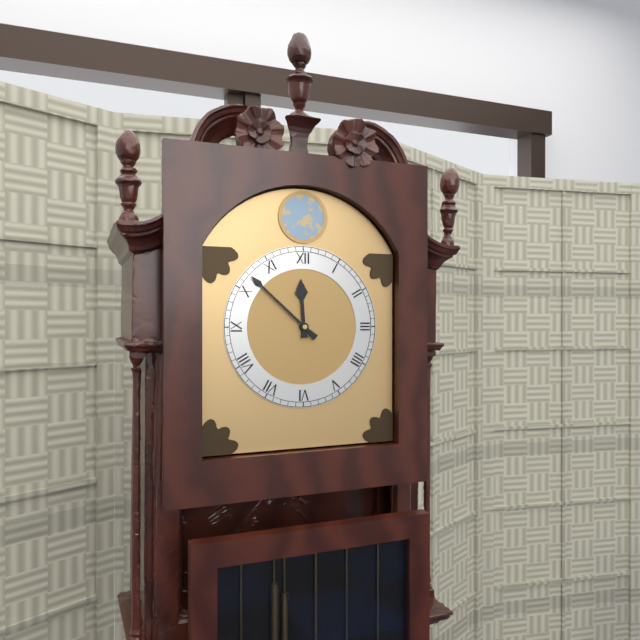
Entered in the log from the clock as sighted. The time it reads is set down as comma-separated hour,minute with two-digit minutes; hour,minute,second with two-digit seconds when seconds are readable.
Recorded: 11,52
